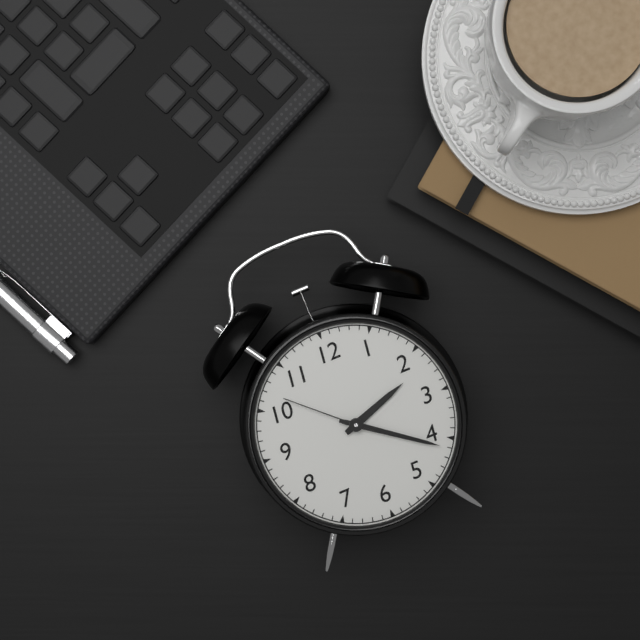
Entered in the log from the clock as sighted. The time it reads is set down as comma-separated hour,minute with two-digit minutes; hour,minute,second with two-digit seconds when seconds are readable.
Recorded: 2,21,52
